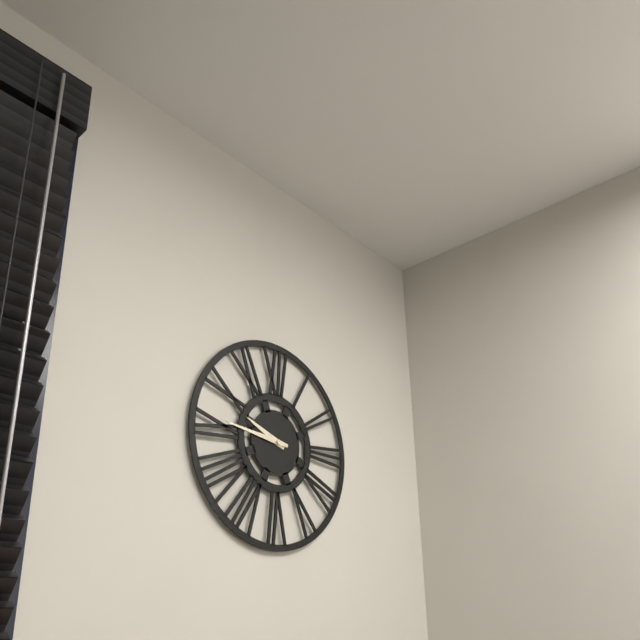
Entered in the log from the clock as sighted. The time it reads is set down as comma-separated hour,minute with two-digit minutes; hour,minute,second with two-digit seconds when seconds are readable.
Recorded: 9,46
